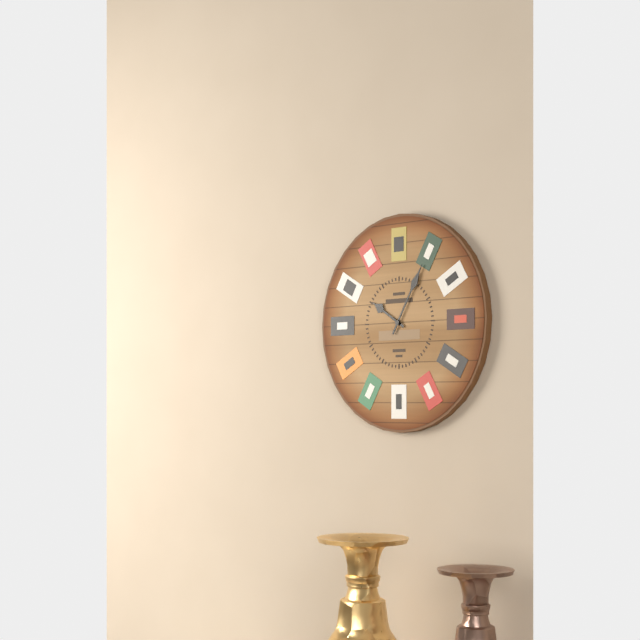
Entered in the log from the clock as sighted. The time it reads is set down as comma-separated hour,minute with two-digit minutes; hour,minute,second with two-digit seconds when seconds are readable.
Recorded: 10,05
